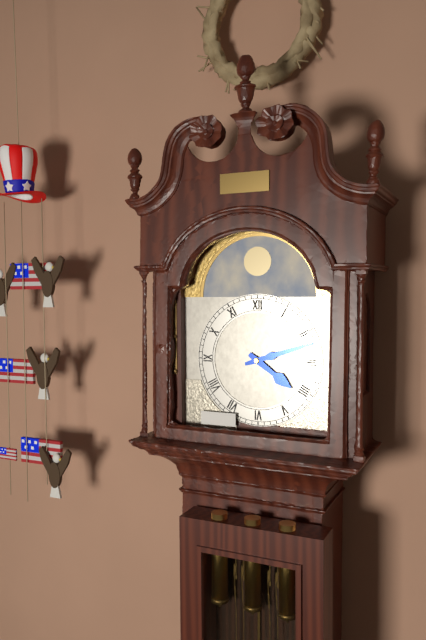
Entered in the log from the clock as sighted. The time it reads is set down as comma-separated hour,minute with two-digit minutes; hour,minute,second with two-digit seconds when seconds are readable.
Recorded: 4,12
